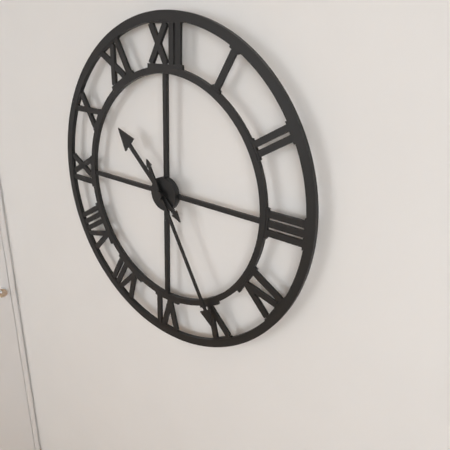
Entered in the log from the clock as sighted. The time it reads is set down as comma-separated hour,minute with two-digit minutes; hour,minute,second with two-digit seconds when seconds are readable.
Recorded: 10,25
